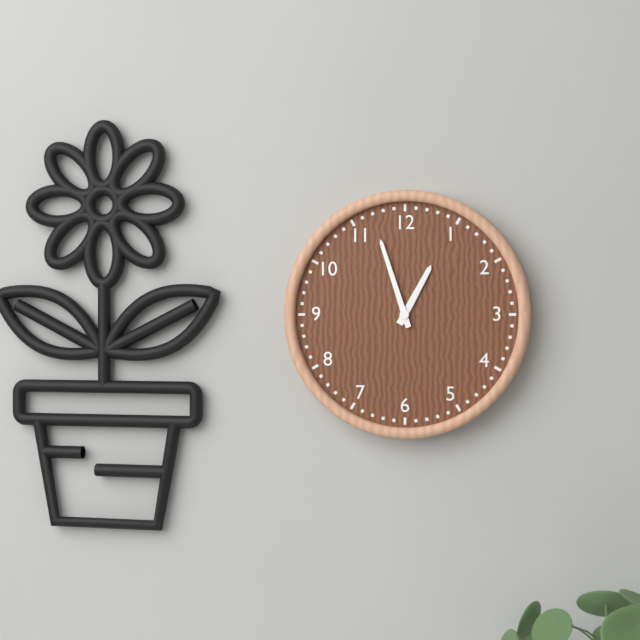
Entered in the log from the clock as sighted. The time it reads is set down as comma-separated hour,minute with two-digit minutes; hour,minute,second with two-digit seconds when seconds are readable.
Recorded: 12,57
